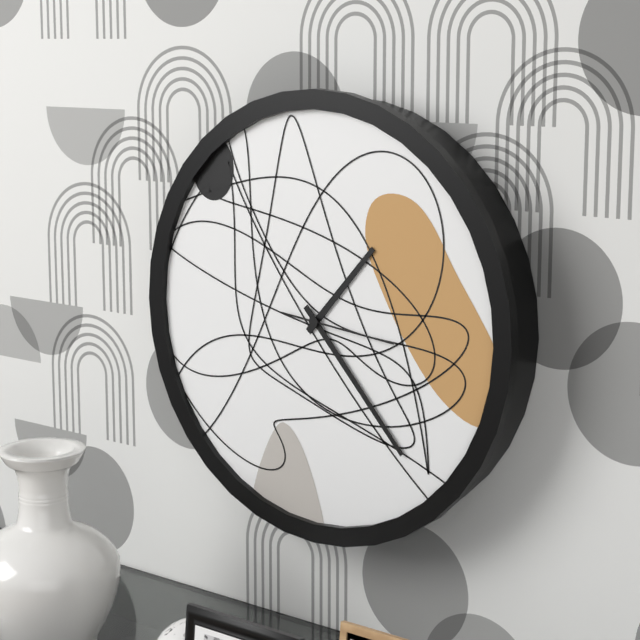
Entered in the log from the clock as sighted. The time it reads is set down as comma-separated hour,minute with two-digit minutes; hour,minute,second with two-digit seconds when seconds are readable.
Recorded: 1,23,16
